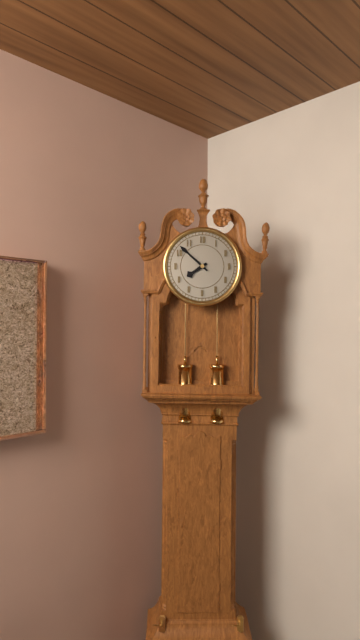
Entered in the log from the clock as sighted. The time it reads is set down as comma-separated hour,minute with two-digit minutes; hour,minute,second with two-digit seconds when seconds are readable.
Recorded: 7,52
